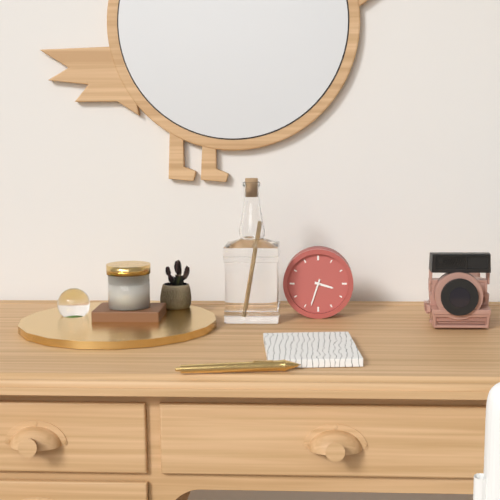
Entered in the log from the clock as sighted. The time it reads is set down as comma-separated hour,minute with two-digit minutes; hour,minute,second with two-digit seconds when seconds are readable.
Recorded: 3,33
